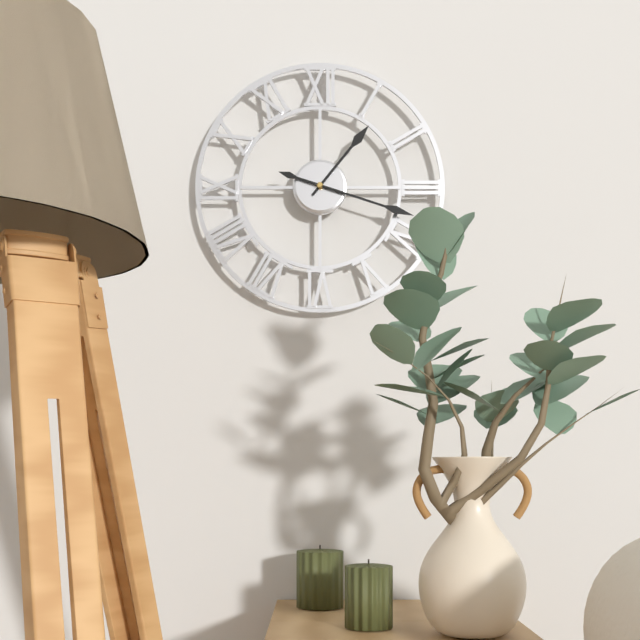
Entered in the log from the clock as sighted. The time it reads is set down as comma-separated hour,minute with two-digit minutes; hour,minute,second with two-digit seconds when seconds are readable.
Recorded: 1,18
